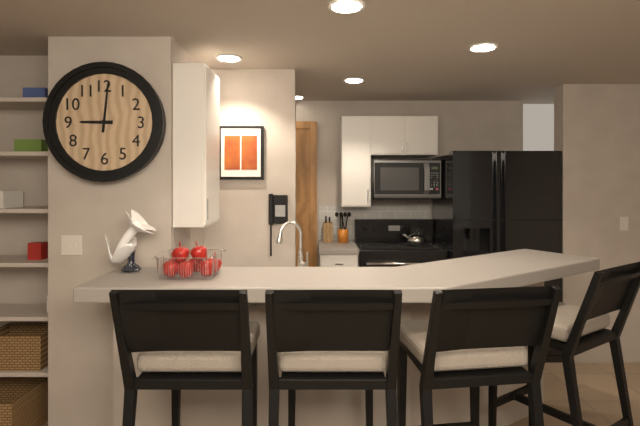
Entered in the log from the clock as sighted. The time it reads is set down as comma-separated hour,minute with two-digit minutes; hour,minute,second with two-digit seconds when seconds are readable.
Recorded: 9,01
